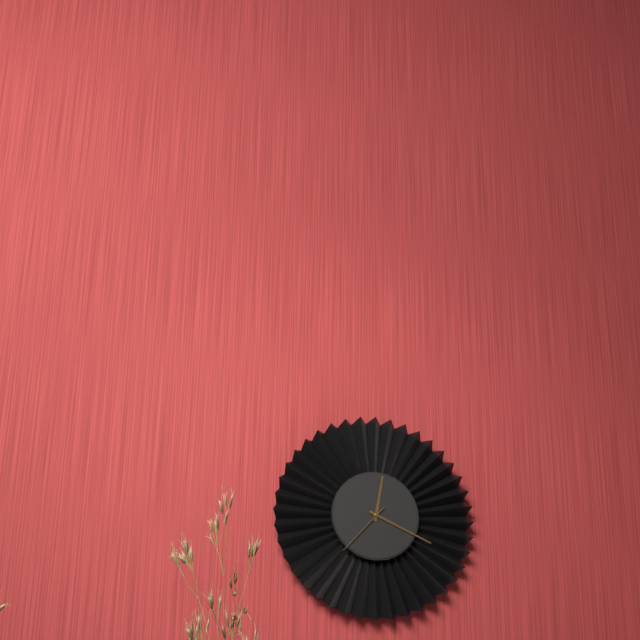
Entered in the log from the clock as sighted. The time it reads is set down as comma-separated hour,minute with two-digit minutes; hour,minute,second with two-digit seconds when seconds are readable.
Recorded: 12,19,37
